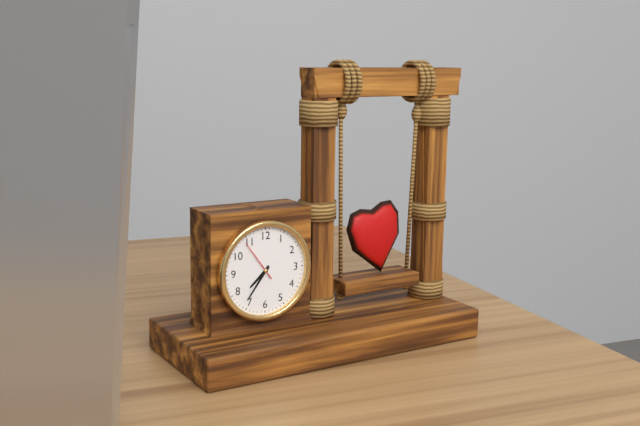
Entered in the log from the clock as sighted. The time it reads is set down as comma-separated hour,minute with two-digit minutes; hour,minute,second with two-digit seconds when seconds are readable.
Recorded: 7,36
